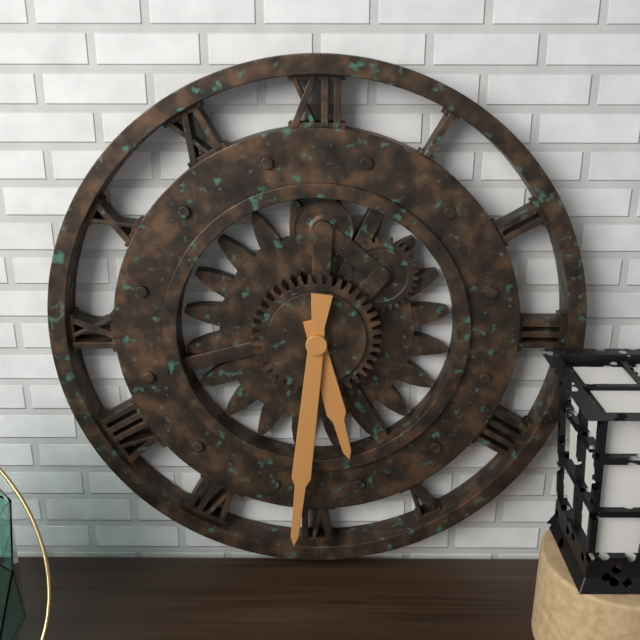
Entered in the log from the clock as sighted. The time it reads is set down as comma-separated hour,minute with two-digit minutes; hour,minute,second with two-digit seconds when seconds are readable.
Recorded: 5,31
